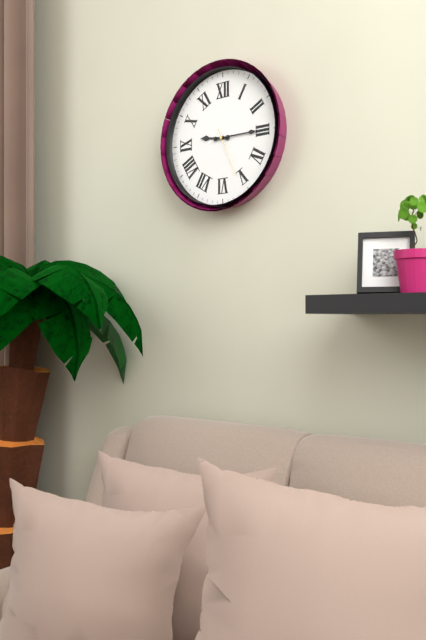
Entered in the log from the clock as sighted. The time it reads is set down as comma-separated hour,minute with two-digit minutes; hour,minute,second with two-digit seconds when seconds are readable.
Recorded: 9,15
